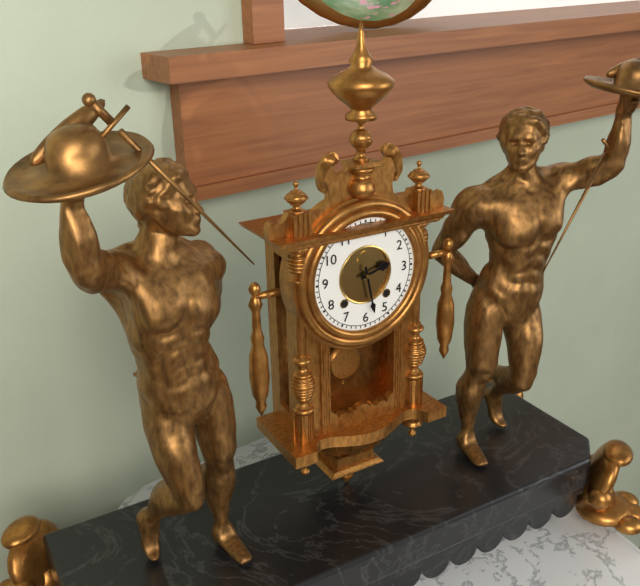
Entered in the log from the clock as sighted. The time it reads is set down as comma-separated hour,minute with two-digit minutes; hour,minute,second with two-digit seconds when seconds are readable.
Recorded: 2,28
